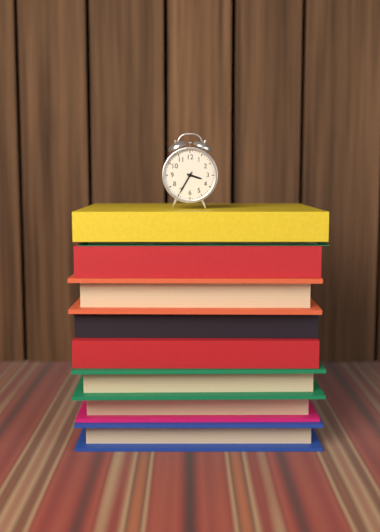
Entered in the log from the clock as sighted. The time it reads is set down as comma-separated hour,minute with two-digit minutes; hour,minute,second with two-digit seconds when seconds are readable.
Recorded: 3,35
